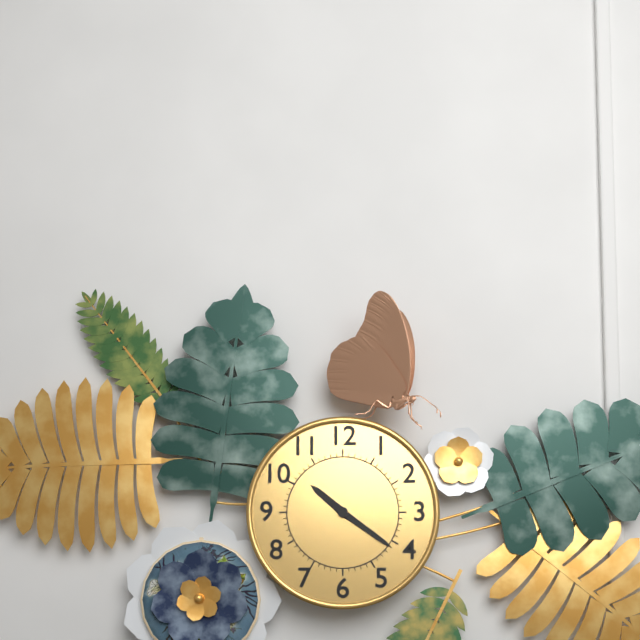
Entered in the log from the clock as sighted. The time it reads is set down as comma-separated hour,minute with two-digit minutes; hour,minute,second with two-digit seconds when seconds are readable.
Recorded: 10,21
